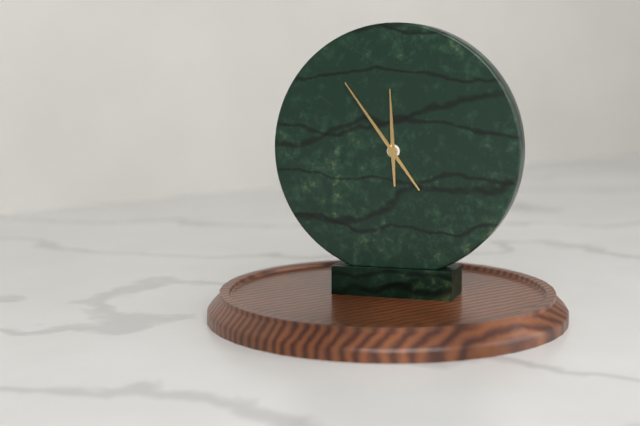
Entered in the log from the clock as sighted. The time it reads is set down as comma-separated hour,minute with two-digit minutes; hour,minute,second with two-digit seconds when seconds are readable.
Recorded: 11,54
